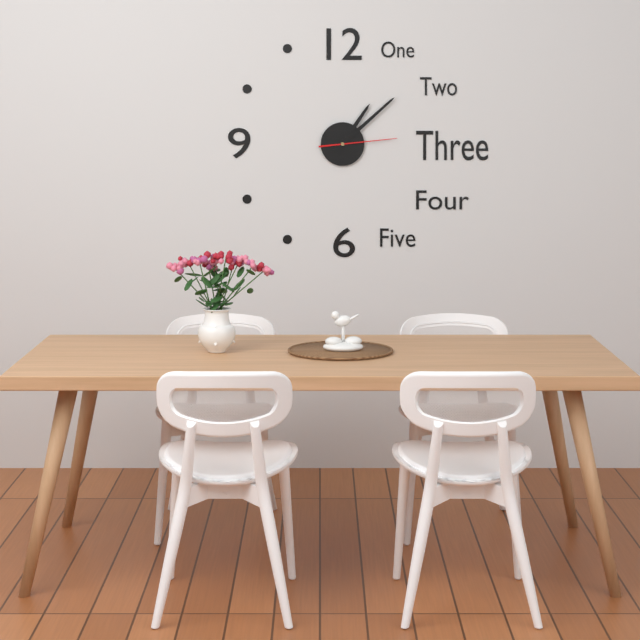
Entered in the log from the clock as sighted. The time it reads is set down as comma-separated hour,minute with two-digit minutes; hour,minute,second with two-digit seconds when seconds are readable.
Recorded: 1,08,14
